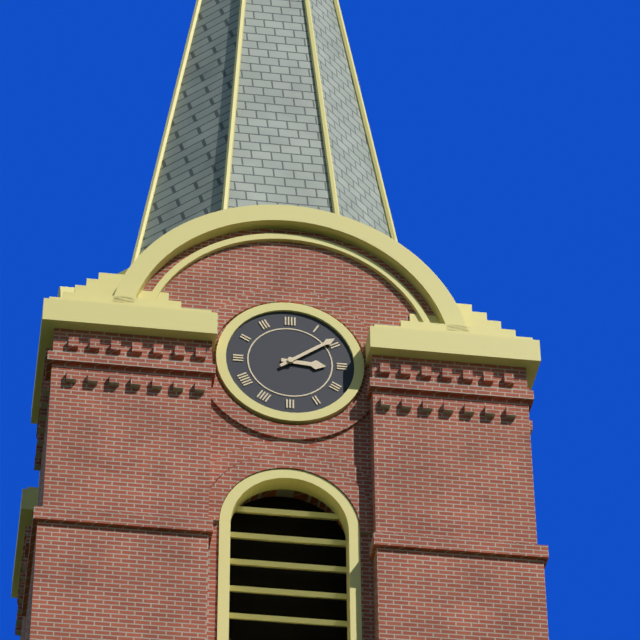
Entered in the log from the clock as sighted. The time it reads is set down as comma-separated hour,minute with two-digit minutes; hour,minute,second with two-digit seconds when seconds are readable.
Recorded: 3,09
